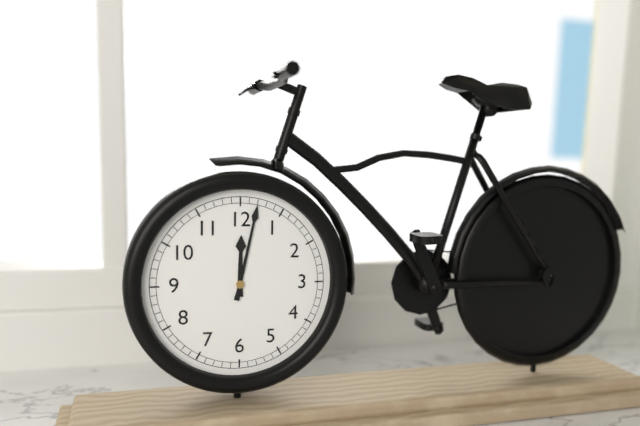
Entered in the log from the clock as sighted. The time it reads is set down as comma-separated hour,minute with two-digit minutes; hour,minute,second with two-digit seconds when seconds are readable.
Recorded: 12,02
